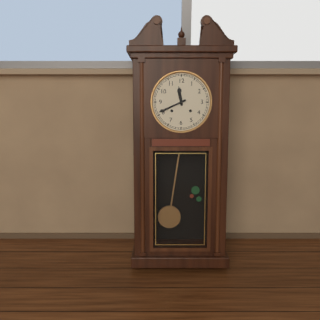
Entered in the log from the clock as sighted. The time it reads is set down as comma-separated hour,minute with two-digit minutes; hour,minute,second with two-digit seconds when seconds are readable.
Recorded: 11,41
